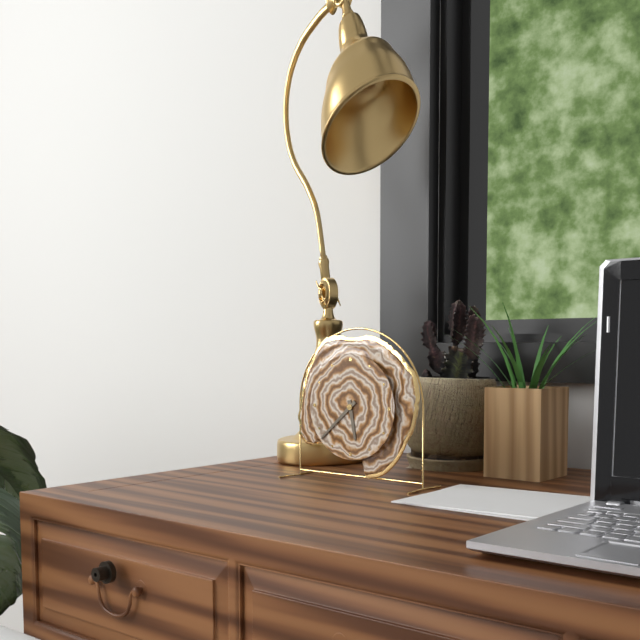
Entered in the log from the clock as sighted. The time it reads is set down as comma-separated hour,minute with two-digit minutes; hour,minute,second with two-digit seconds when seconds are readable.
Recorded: 5,38
